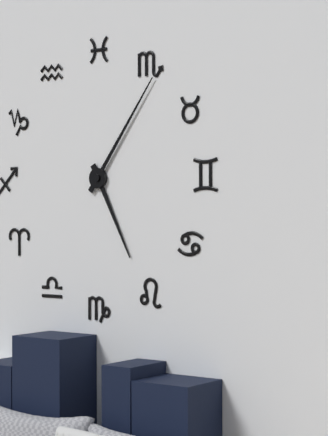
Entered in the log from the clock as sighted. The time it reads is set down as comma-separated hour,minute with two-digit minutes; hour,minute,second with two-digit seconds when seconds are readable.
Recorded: 5,06
